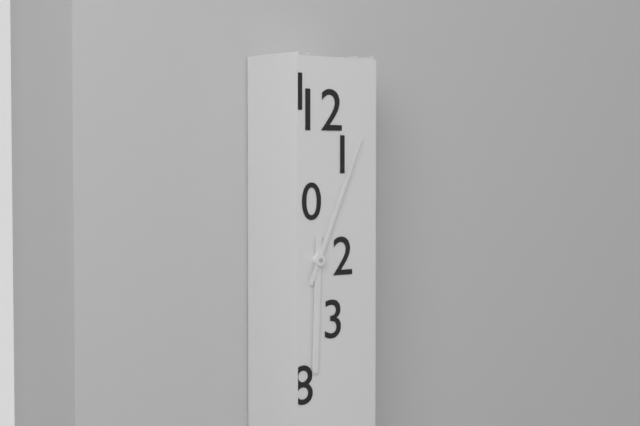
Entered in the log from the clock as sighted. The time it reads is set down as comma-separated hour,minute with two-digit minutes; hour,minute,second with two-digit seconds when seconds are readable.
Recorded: 6,04
